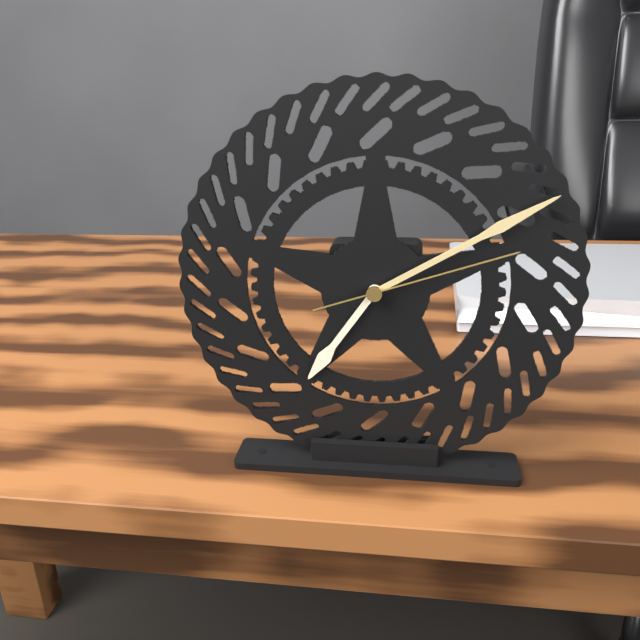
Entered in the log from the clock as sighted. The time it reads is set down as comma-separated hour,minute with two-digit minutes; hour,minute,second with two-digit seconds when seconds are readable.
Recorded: 7,10,12
